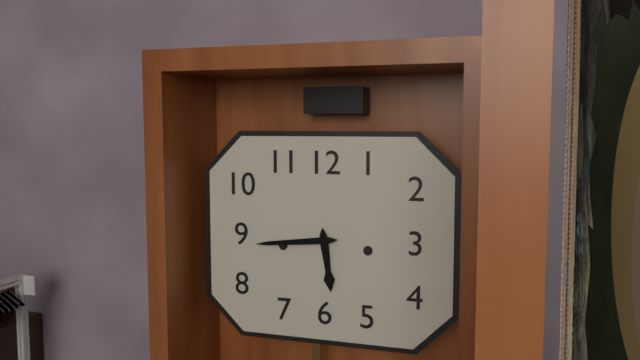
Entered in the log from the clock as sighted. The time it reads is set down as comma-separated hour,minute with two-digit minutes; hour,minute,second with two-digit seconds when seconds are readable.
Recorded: 5,44
